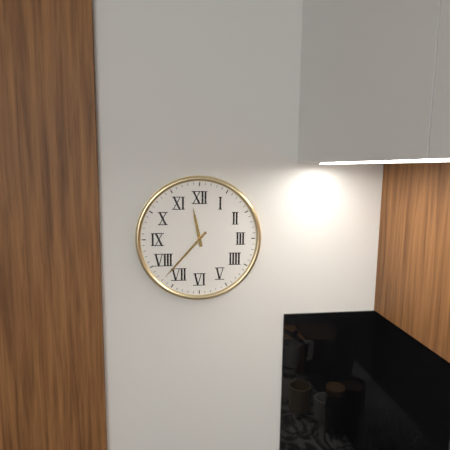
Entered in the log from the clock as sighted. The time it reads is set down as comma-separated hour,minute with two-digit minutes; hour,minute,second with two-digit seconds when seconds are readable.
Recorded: 11,37
